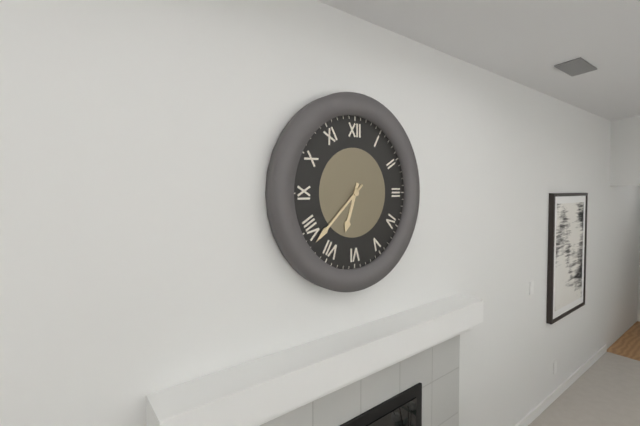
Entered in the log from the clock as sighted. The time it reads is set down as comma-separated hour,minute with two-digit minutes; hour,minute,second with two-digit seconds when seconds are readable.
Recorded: 6,38
